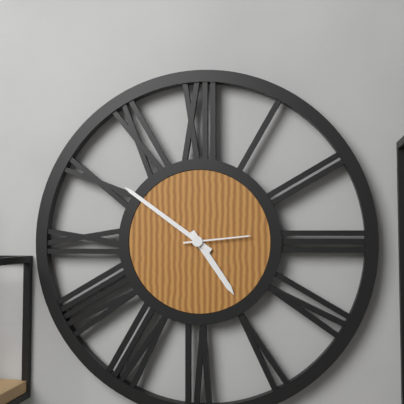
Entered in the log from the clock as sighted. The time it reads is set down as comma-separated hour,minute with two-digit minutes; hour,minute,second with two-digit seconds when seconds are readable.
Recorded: 4,51,14
